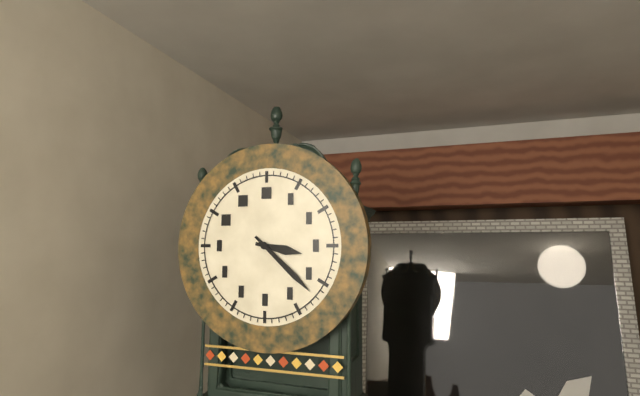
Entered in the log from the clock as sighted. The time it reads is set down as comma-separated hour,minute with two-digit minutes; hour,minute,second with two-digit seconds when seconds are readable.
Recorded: 3,22
